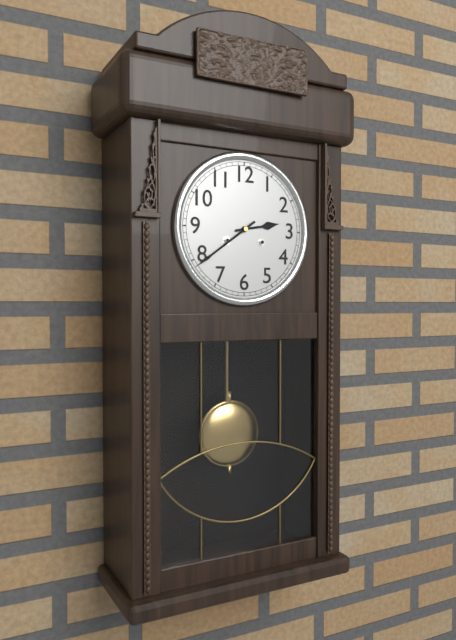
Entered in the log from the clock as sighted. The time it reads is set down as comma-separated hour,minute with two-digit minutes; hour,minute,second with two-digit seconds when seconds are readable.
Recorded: 2,39
